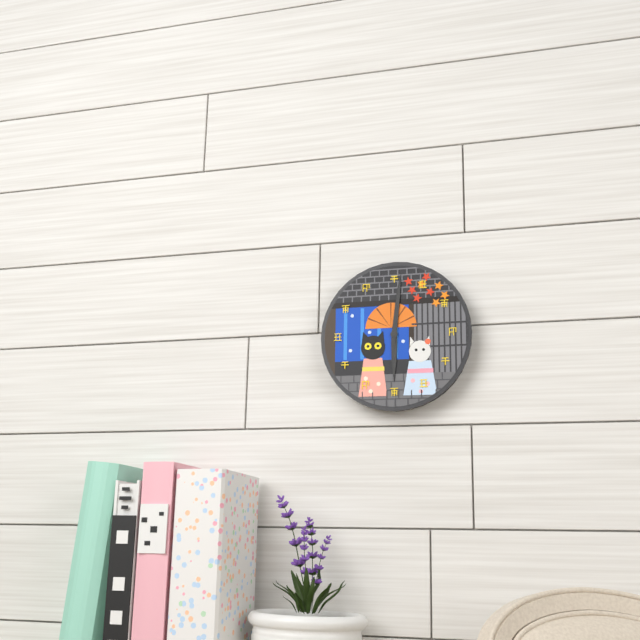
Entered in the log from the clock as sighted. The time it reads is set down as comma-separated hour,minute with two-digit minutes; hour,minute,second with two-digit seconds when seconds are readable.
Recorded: 6,01
